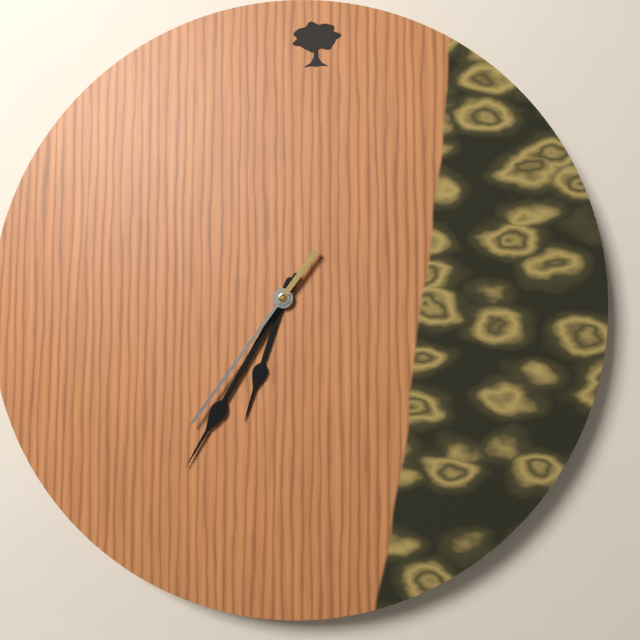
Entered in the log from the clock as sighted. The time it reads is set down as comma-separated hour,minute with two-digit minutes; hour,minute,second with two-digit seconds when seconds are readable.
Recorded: 6,35,36
